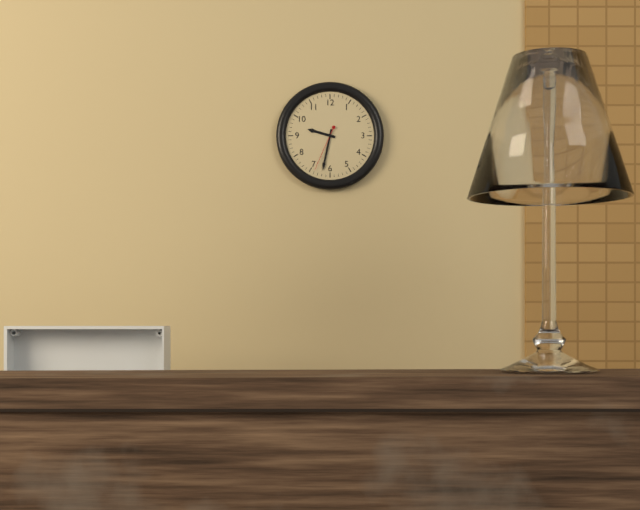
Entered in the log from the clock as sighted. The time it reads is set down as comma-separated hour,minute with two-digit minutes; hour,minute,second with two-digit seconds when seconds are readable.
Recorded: 9,32
